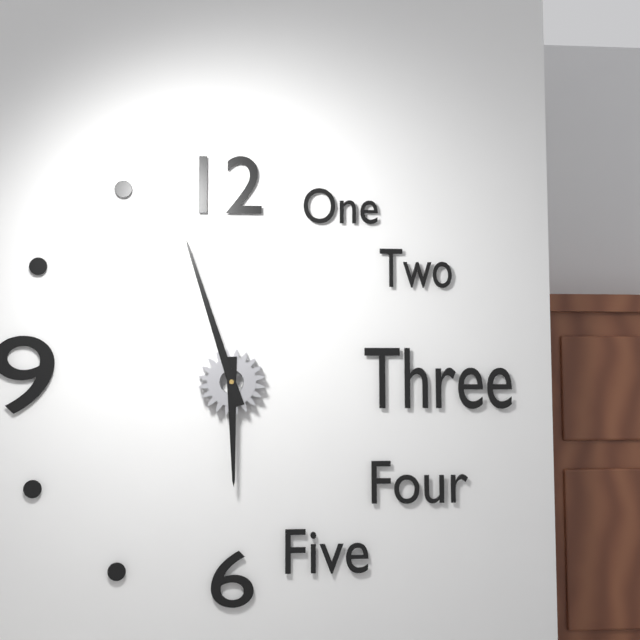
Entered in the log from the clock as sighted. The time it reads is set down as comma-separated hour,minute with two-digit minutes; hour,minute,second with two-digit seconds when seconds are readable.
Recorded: 5,57
